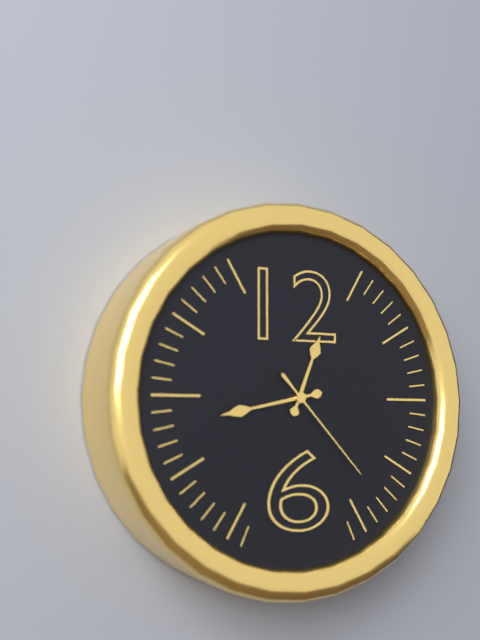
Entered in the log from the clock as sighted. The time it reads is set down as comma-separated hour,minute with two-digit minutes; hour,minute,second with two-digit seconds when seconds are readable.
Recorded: 12,43,23
